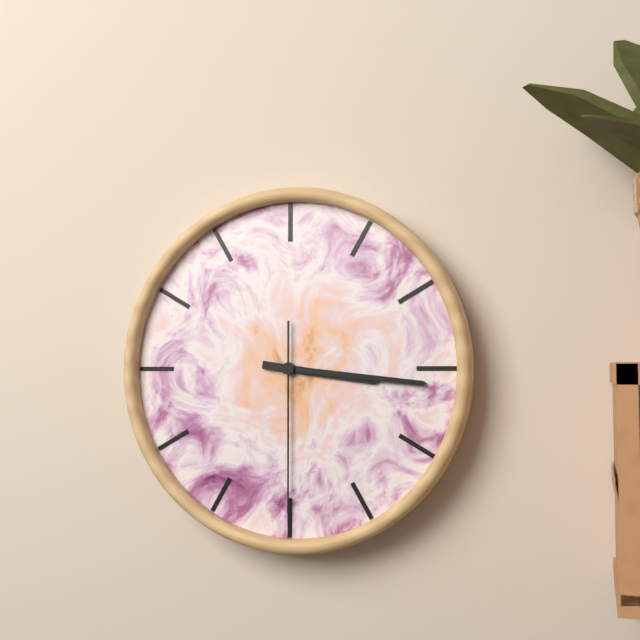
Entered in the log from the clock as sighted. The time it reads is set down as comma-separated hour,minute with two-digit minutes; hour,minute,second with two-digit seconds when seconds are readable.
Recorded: 3,16,30
